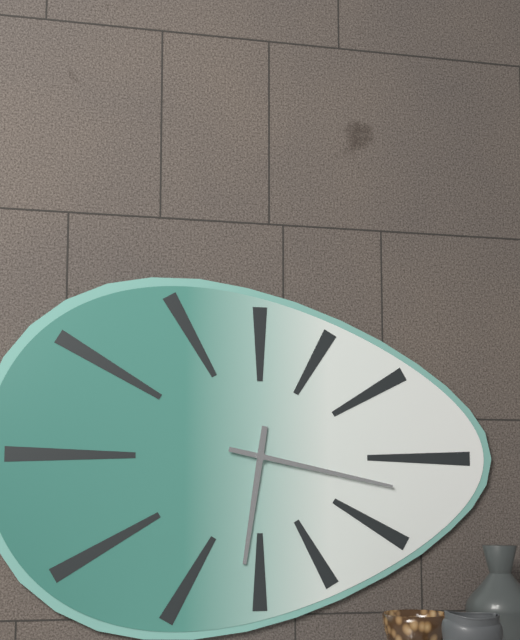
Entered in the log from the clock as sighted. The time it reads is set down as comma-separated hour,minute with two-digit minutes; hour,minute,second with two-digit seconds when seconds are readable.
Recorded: 6,17
